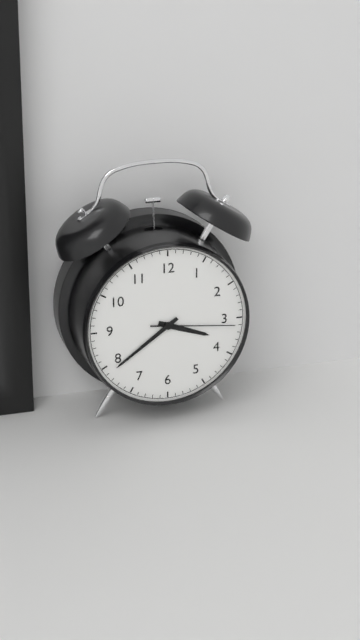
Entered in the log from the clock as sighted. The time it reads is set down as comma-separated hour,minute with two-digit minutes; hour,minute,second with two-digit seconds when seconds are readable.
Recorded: 3,39,16
